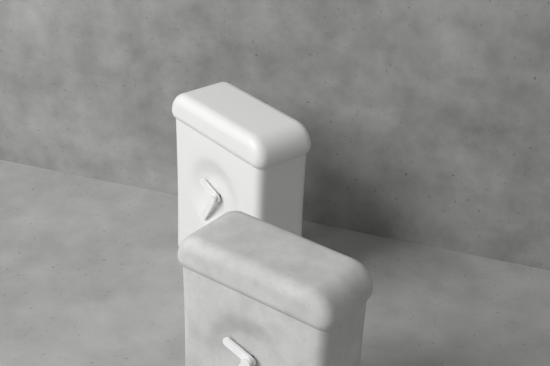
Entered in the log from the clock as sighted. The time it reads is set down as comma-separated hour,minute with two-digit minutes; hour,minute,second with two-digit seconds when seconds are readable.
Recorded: 9,35
